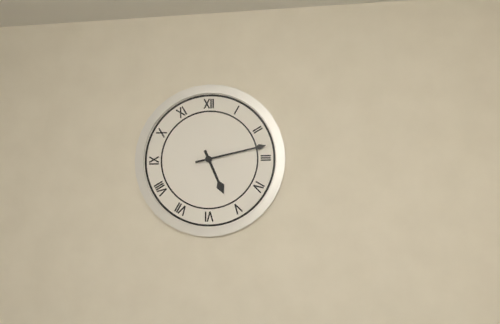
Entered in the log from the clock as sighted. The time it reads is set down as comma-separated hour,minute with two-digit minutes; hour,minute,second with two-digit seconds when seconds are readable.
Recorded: 5,13
